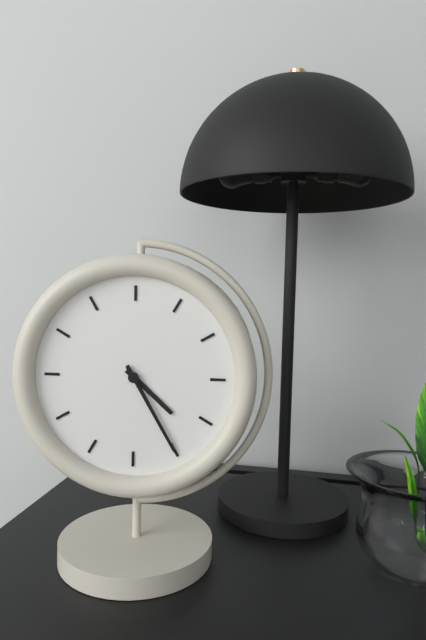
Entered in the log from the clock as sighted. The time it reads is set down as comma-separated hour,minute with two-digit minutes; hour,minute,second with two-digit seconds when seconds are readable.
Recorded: 4,25
